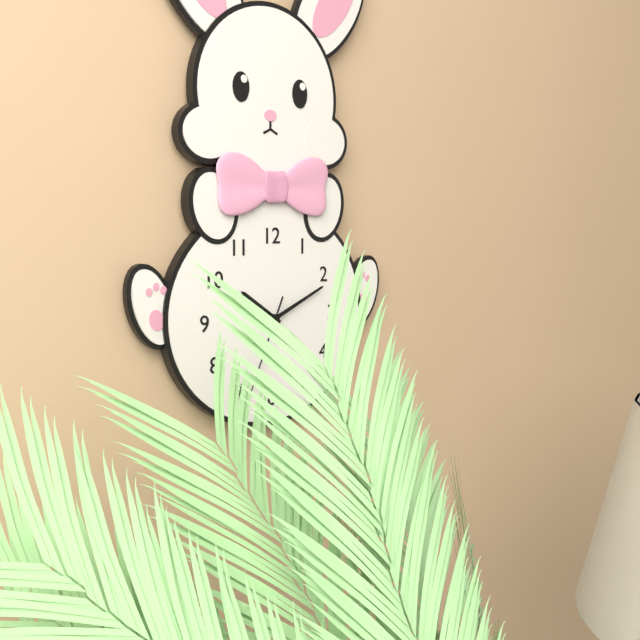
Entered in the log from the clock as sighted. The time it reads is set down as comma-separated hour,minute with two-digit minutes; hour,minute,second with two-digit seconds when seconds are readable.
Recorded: 10,11
